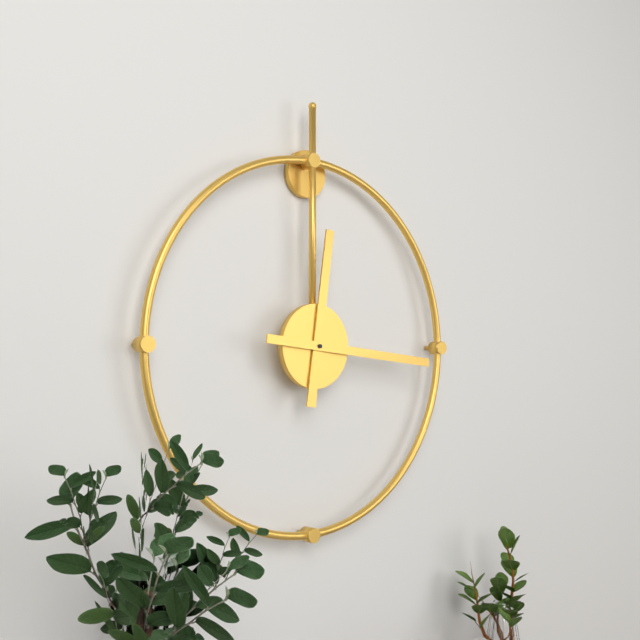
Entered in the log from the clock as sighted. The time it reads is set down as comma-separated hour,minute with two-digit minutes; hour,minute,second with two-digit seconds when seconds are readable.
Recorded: 12,16
